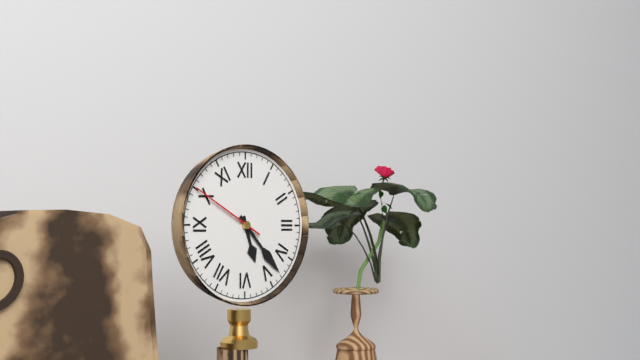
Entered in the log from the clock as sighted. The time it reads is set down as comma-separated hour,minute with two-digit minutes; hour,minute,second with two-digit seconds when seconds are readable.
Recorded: 5,23,50
